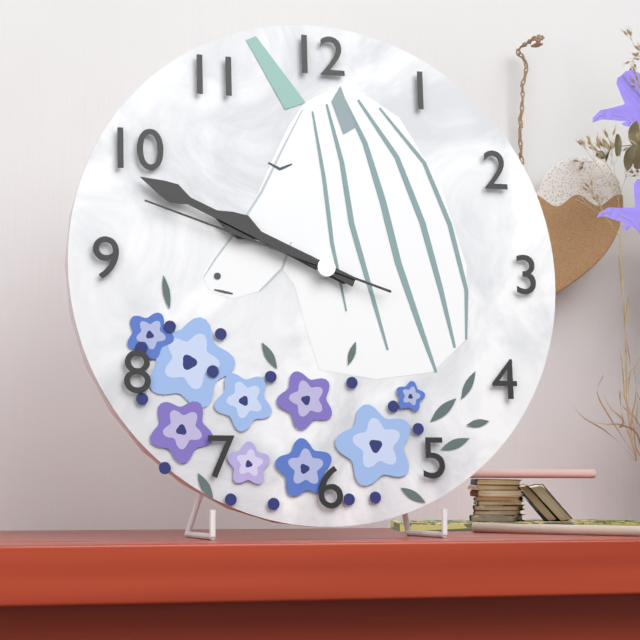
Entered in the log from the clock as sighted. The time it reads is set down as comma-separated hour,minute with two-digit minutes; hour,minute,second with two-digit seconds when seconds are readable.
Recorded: 9,49,48
